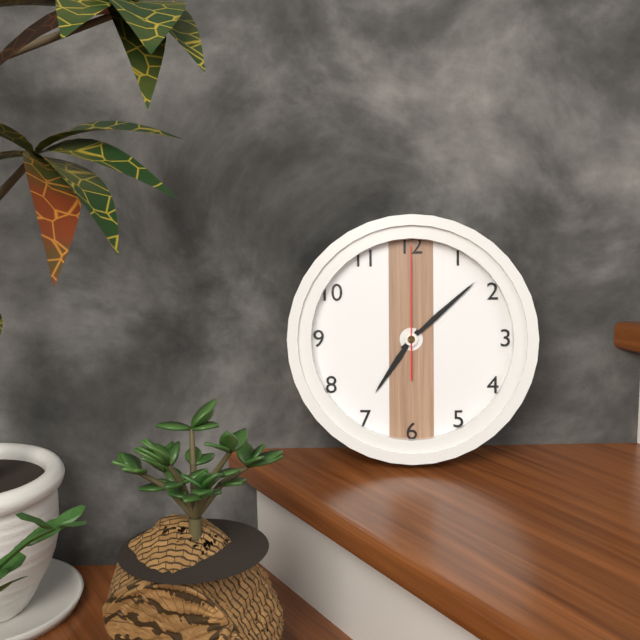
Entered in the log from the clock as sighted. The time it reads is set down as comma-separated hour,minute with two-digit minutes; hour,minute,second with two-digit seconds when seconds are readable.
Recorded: 7,08,00
